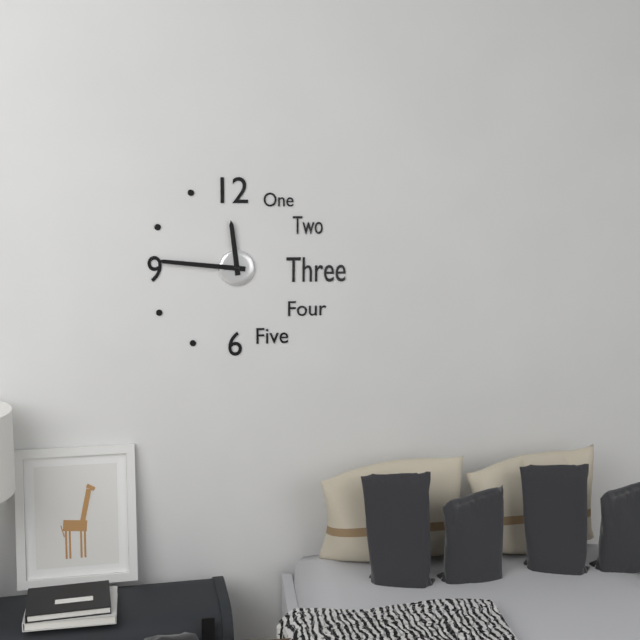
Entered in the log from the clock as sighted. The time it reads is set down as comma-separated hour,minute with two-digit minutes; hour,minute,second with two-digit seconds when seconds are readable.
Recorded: 11,46
